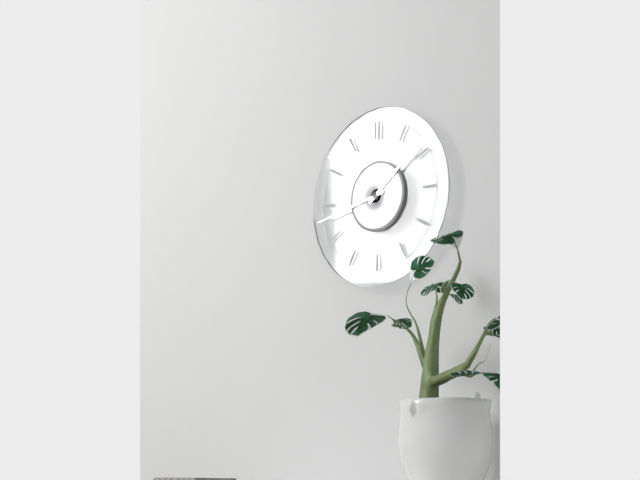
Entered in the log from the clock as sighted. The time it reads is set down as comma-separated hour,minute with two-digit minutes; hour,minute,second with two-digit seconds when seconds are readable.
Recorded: 1,43
